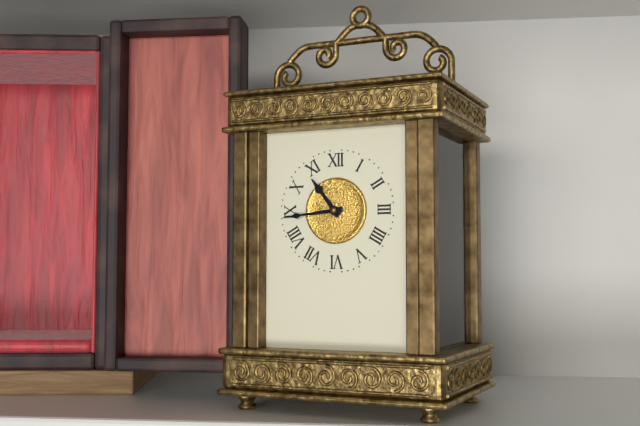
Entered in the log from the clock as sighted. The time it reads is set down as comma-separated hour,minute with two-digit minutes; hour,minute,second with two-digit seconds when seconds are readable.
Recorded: 10,44
